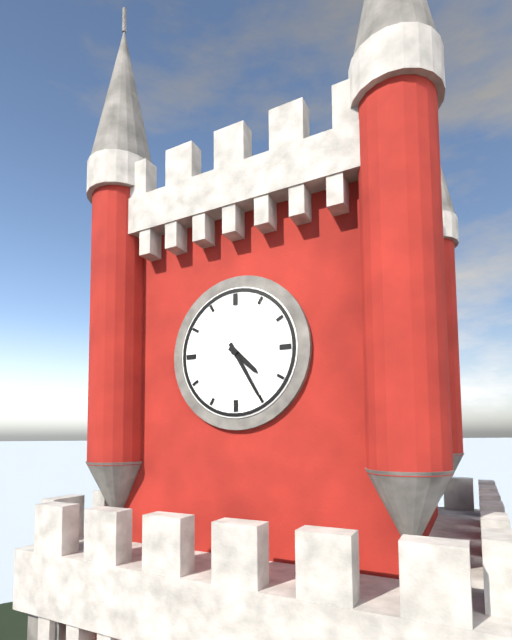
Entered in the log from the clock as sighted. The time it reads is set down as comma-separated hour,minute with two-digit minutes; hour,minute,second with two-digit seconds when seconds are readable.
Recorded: 4,25
